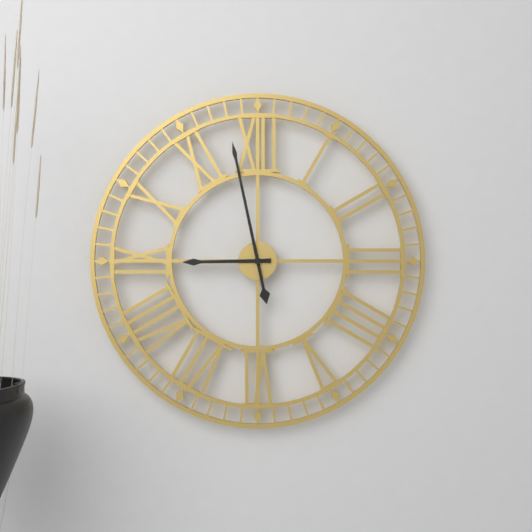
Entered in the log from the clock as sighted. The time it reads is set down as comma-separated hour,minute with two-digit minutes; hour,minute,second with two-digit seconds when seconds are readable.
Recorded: 8,58
